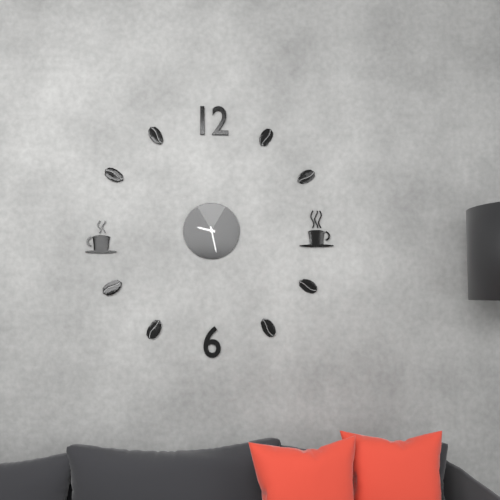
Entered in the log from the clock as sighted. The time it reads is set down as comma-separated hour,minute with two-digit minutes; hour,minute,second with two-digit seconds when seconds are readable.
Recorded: 9,28
